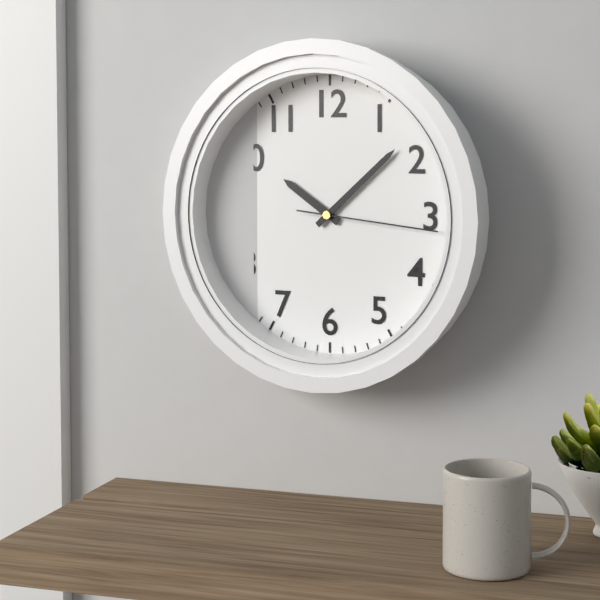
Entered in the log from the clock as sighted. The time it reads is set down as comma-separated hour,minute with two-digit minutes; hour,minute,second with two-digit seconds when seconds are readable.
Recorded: 10,08,16
